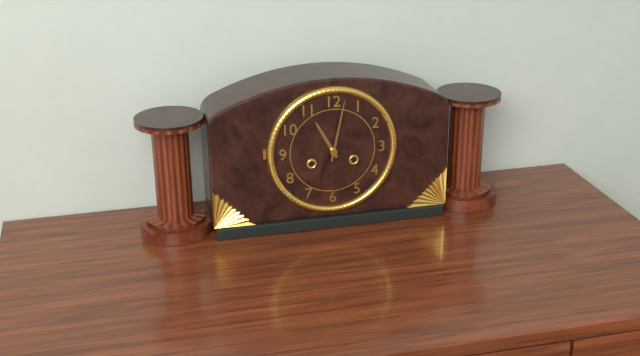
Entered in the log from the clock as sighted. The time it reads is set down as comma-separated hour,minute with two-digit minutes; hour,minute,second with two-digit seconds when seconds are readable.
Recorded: 11,02
